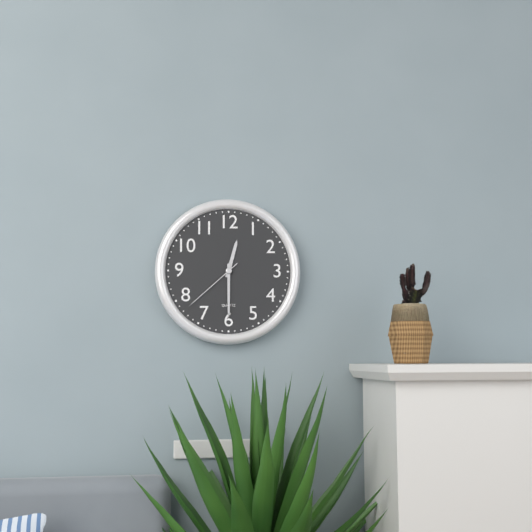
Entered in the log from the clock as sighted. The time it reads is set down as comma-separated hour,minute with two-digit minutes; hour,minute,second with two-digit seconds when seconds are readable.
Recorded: 12,30,38
